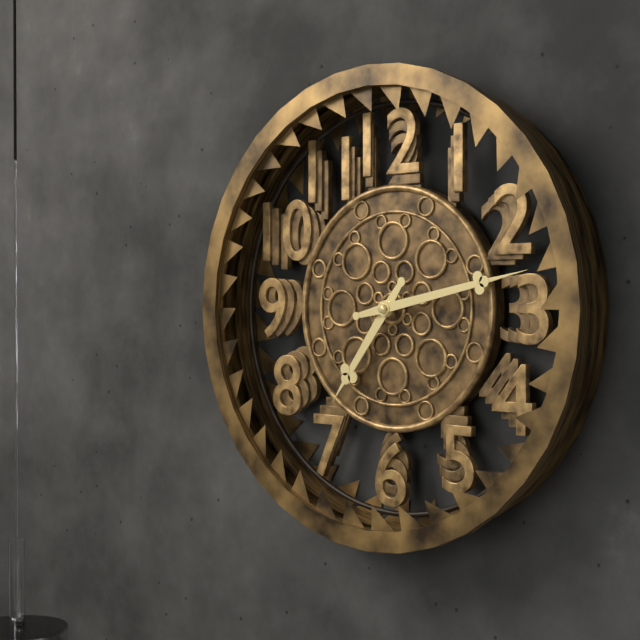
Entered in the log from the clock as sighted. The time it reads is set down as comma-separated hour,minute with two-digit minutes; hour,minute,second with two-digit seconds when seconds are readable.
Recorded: 7,13
